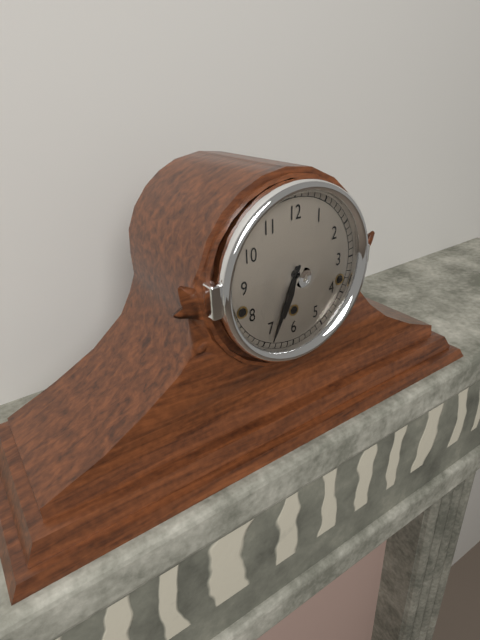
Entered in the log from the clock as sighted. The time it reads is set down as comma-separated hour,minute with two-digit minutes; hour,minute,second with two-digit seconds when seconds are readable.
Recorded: 6,34
